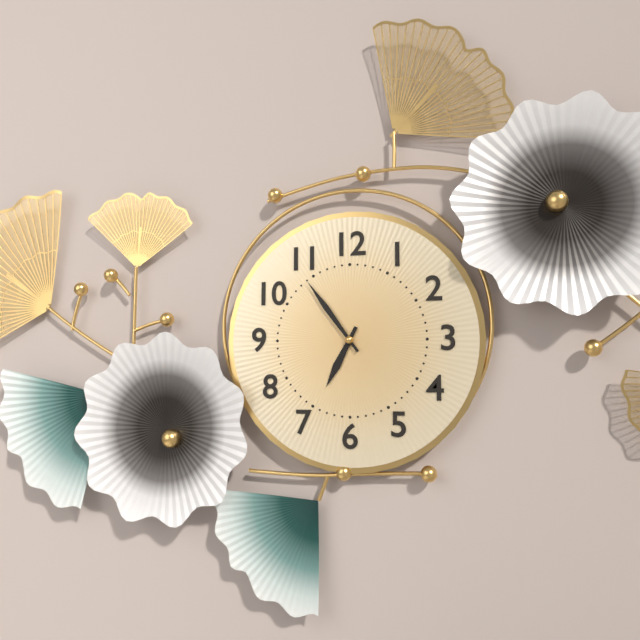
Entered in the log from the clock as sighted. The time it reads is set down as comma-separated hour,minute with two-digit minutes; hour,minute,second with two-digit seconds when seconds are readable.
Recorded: 6,54
